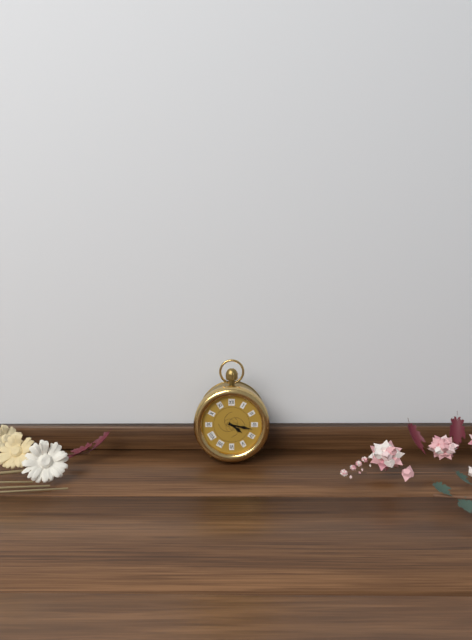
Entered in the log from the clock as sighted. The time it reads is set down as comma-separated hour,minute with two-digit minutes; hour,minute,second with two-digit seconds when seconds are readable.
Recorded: 4,17
